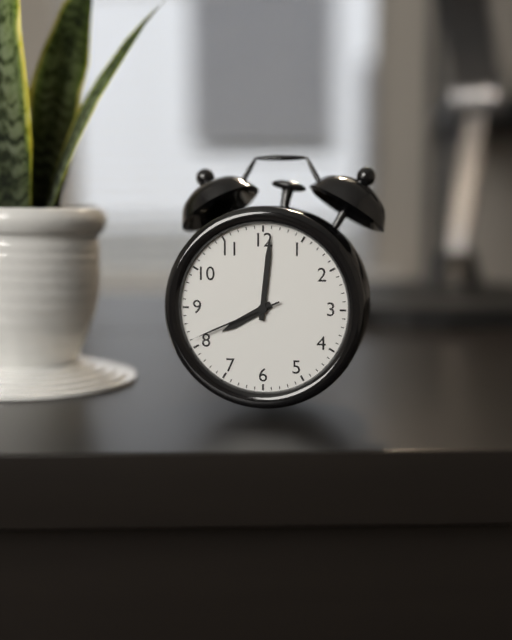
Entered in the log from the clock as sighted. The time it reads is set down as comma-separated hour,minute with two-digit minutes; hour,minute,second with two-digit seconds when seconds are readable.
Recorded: 8,01,41
